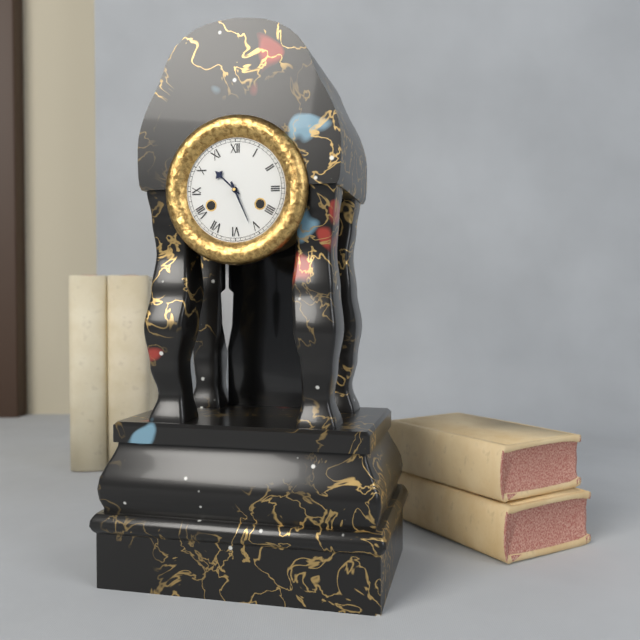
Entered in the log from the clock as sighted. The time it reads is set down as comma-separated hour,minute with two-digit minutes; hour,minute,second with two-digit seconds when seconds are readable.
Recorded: 10,26
